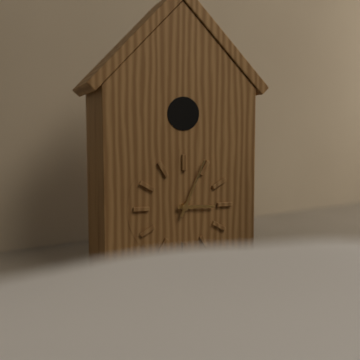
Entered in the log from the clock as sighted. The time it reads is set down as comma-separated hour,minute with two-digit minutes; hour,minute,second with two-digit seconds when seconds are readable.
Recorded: 3,04
